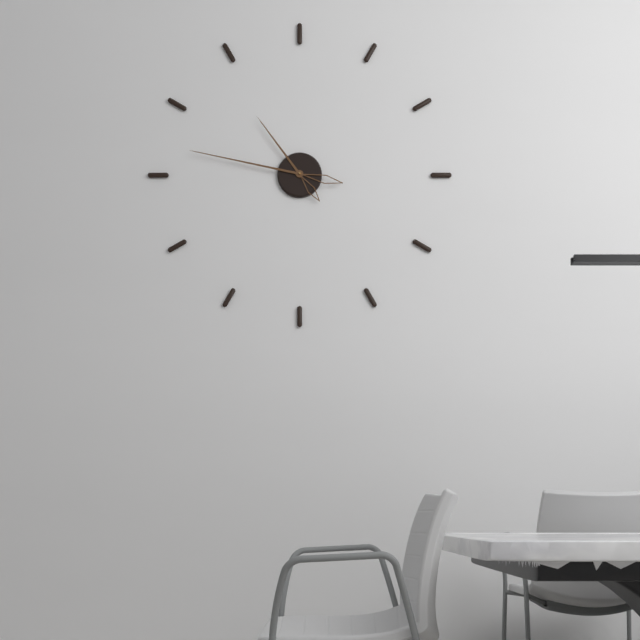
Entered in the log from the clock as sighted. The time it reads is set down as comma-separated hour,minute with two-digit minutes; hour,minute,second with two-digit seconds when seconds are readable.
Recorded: 10,47
